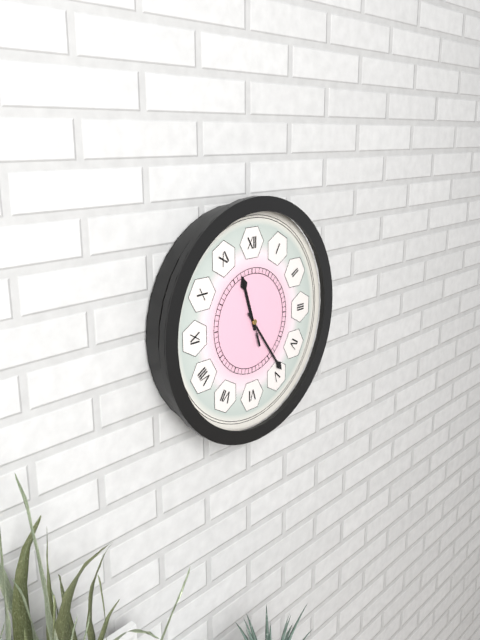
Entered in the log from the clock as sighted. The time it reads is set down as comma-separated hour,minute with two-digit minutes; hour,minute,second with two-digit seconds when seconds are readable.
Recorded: 11,24,57
